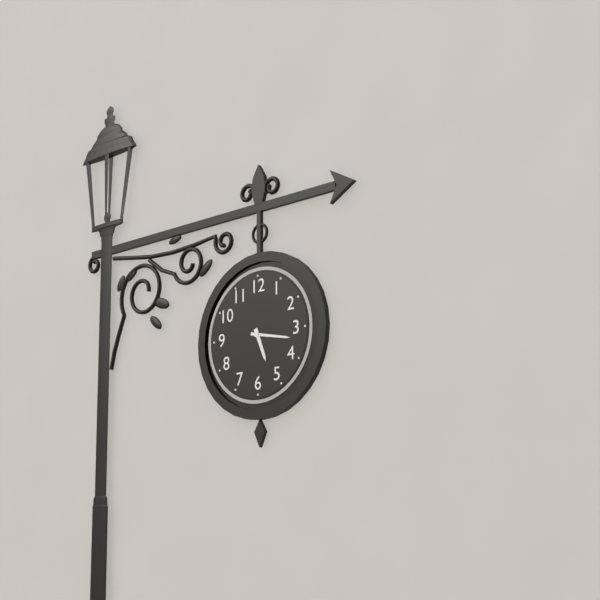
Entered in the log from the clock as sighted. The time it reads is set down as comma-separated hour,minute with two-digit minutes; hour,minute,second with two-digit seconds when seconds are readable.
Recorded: 5,17
